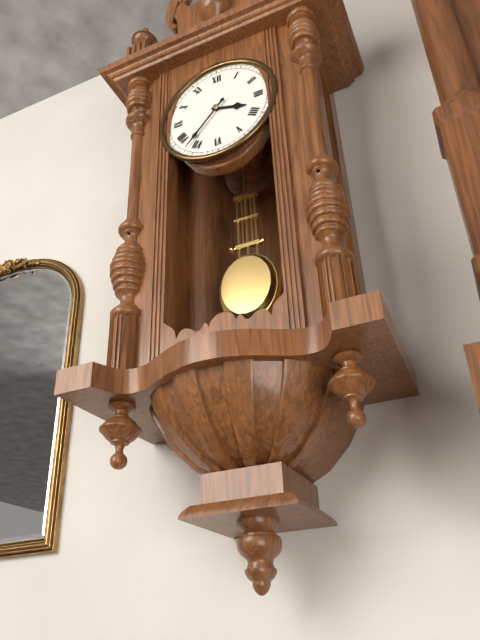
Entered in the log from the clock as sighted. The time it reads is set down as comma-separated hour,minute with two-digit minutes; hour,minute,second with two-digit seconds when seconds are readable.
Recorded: 3,37
